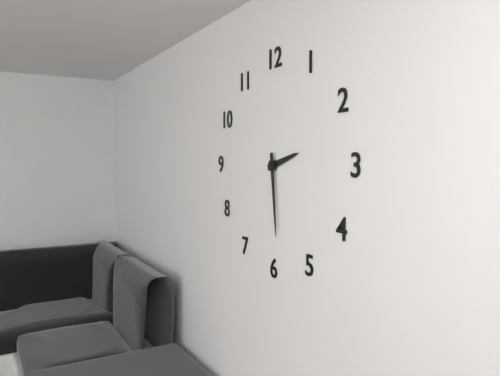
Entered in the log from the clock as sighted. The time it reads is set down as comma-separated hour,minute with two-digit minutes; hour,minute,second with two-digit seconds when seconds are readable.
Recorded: 2,29
